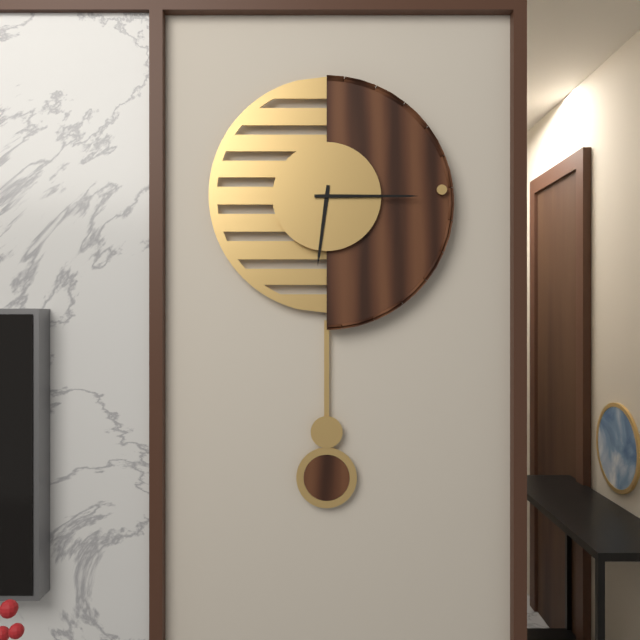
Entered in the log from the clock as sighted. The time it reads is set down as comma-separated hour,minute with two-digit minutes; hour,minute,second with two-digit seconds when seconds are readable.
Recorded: 6,15
